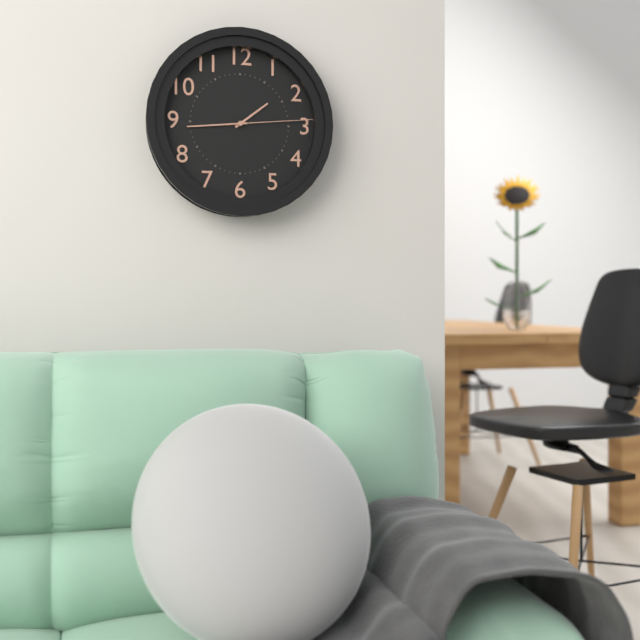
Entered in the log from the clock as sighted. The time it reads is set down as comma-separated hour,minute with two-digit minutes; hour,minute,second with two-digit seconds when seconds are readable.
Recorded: 1,44,14
